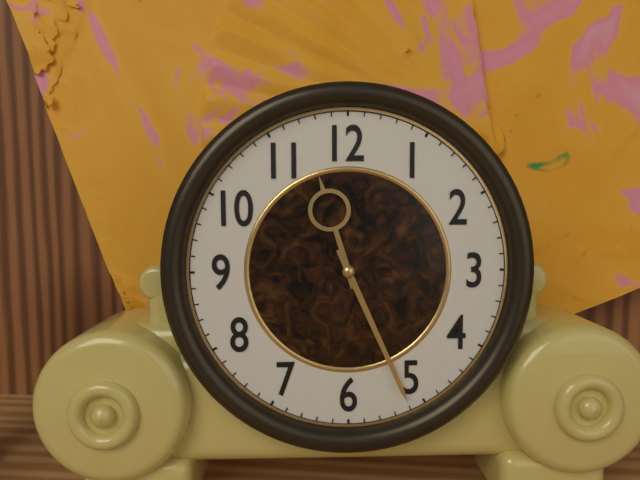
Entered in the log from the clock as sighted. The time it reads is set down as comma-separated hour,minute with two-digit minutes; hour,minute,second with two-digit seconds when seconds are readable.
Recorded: 11,26
